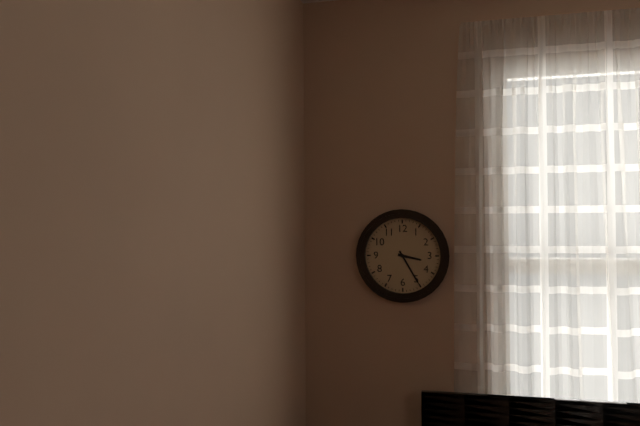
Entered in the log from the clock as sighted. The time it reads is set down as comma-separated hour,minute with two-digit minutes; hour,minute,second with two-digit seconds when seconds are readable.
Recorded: 3,25
